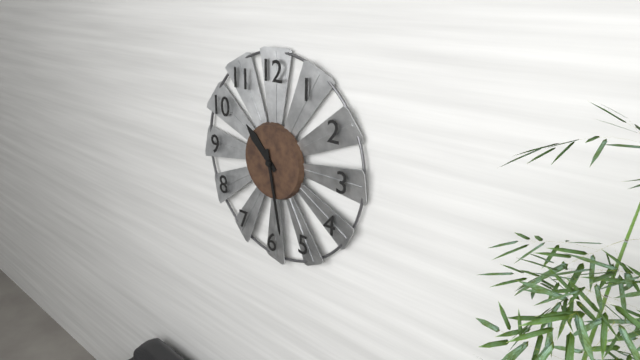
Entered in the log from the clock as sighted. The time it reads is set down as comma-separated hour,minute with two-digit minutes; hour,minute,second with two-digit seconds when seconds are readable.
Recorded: 10,28
